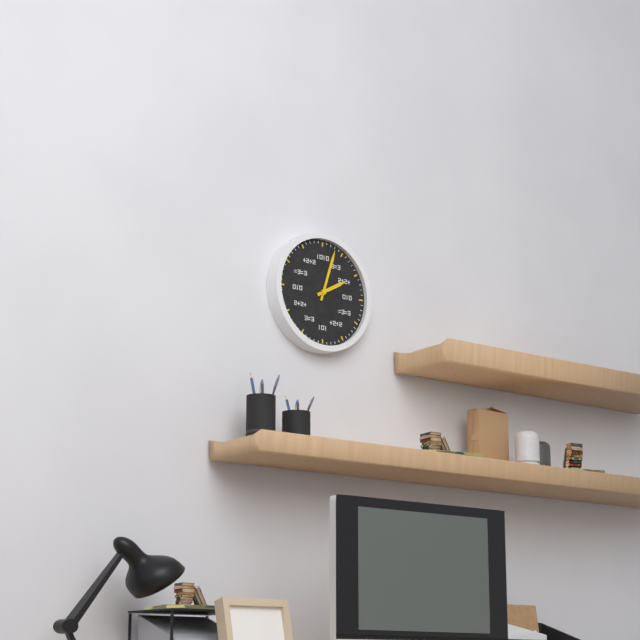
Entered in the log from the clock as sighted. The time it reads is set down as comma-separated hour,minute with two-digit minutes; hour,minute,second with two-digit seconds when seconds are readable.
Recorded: 2,03
